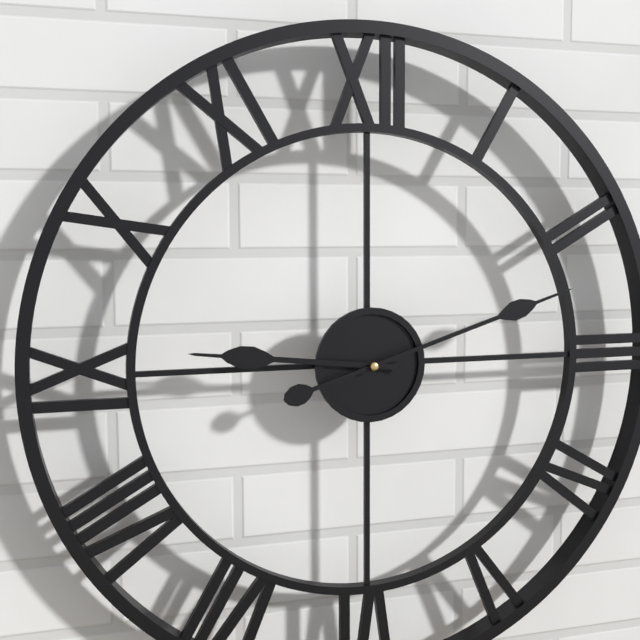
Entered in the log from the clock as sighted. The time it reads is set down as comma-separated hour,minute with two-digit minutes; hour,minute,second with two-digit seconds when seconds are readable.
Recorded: 9,12
